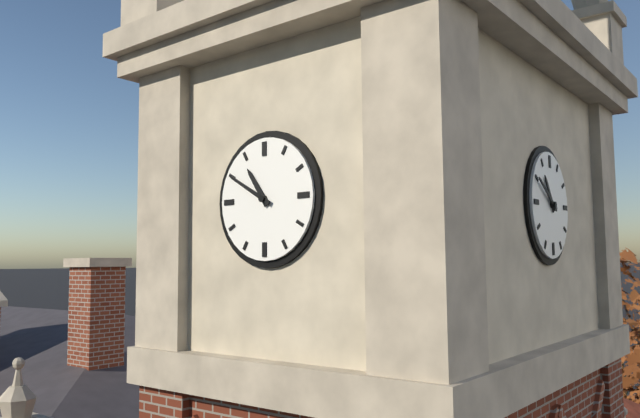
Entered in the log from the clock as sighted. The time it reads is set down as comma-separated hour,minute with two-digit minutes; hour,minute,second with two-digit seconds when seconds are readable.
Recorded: 10,50
